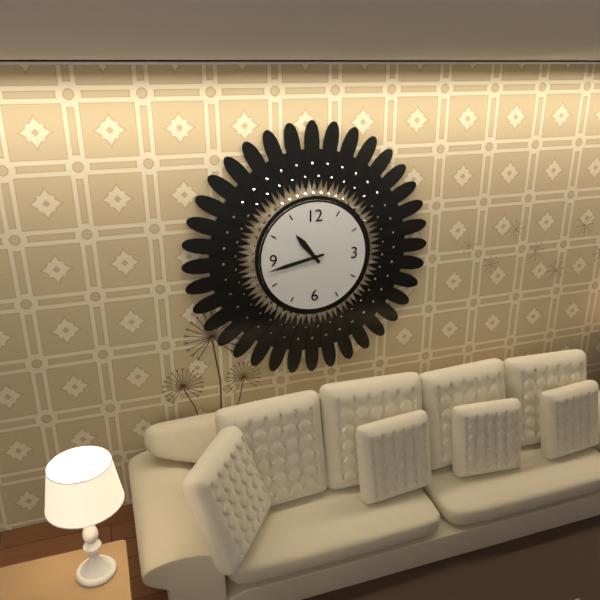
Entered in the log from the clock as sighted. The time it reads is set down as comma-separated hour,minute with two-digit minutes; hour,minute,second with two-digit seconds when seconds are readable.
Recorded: 10,43
